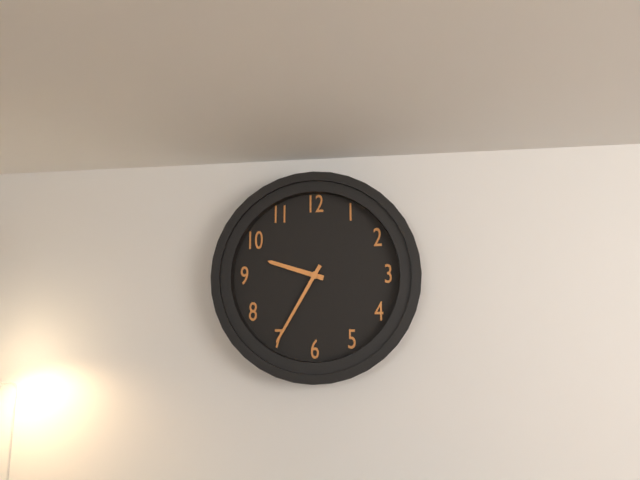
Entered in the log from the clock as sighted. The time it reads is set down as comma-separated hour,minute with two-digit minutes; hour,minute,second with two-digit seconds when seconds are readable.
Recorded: 9,35
